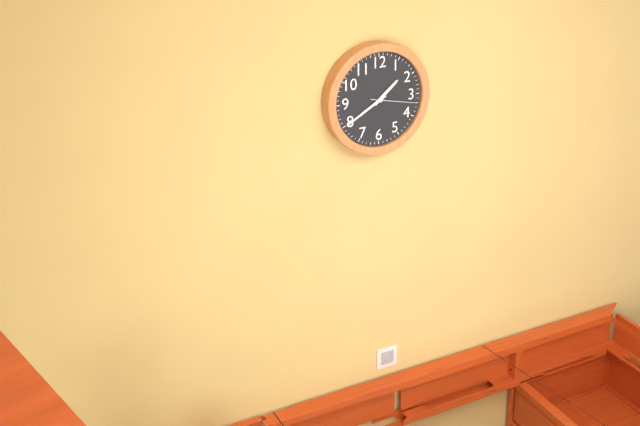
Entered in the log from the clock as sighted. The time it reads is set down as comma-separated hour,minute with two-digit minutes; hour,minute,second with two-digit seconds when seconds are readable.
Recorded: 1,40
